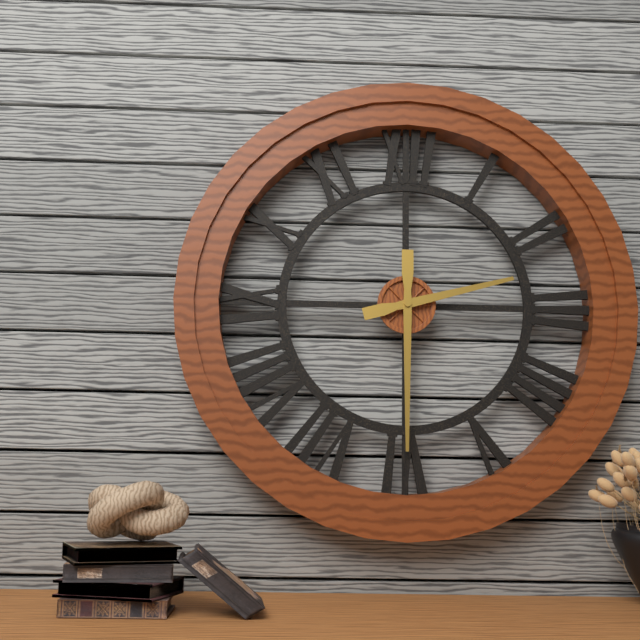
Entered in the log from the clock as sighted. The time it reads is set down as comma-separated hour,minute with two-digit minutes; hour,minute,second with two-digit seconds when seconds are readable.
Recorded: 2,30
